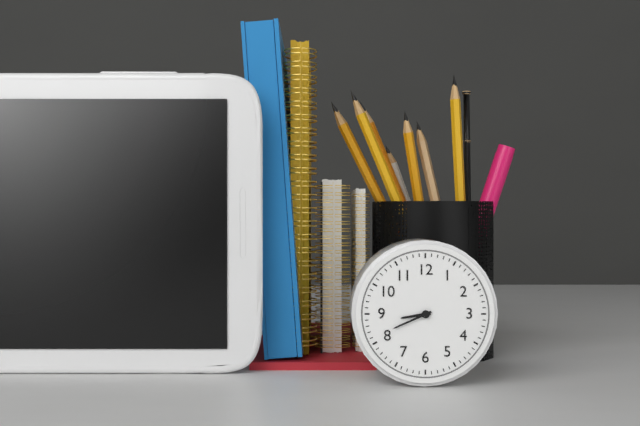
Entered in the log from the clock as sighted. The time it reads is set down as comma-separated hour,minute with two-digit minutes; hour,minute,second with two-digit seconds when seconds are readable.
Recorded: 8,41
